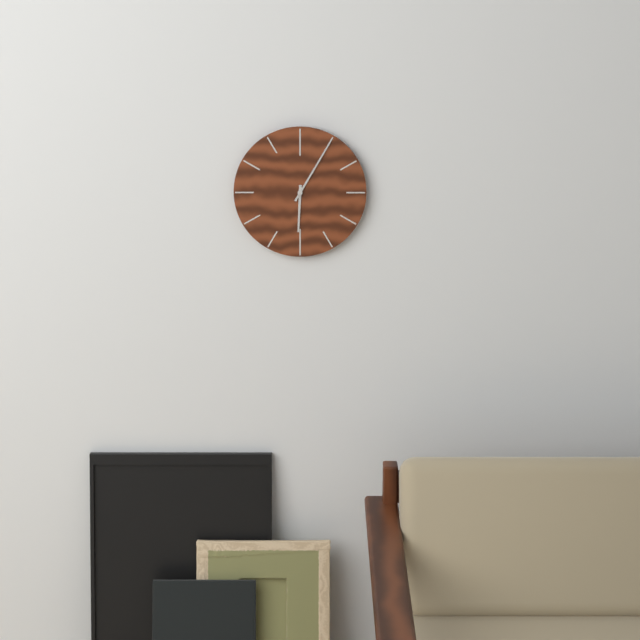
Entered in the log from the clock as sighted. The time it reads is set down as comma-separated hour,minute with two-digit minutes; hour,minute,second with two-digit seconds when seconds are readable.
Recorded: 6,05
